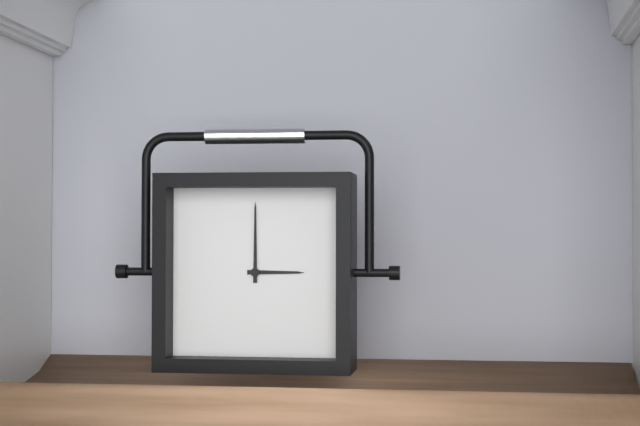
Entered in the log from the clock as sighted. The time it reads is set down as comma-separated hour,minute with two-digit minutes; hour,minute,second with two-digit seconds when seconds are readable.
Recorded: 3,00
